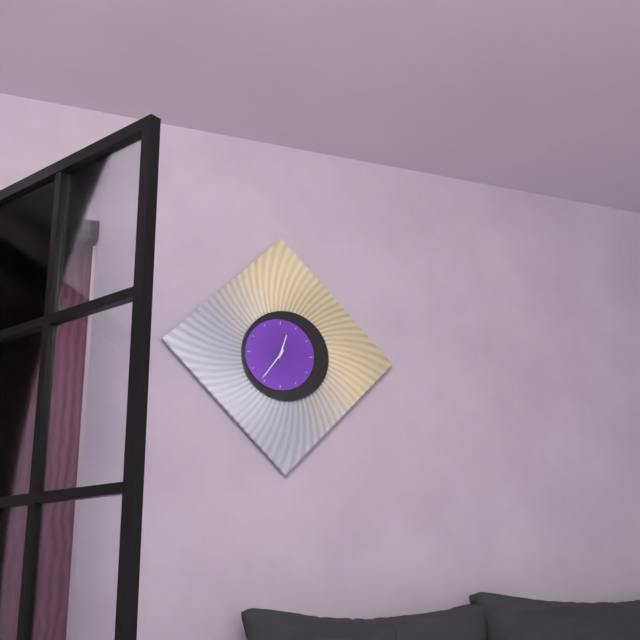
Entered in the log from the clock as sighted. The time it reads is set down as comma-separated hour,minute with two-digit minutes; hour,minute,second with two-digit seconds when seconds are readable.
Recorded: 12,36
